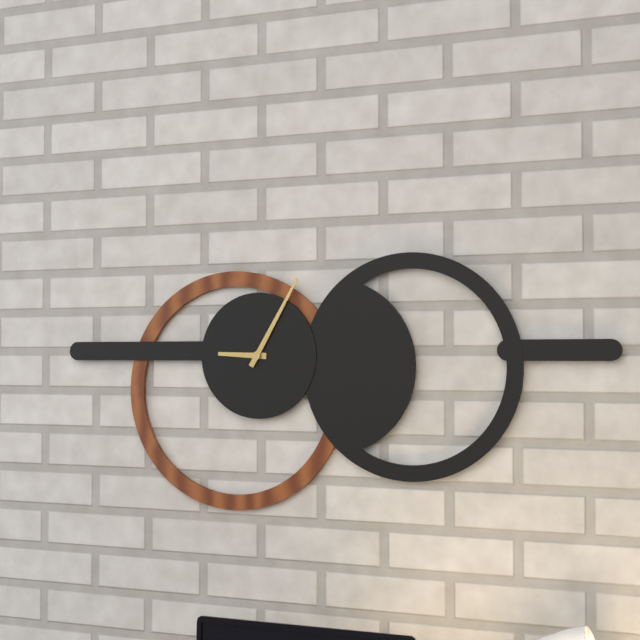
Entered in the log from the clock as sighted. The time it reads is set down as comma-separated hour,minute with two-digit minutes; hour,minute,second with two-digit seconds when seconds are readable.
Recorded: 9,05
